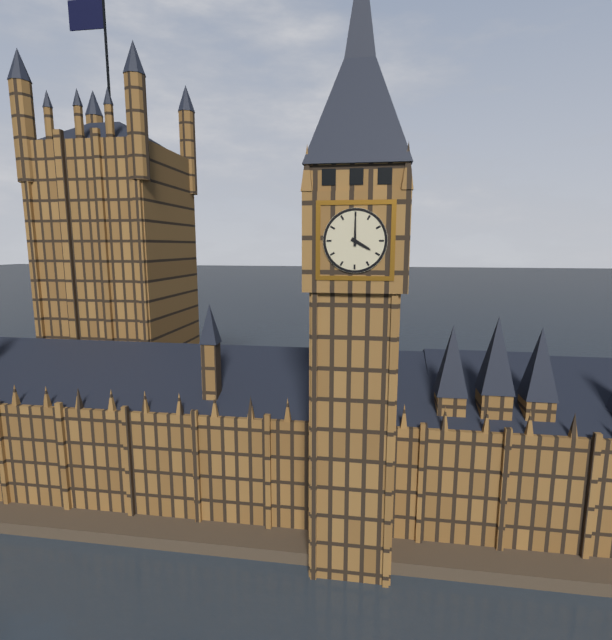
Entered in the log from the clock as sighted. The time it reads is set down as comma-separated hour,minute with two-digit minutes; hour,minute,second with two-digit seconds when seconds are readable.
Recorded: 4,00
